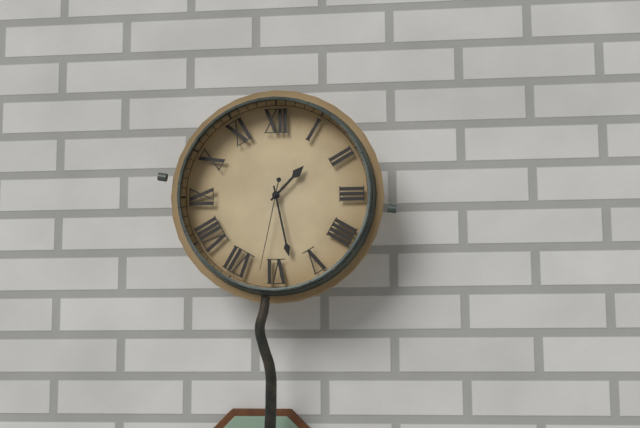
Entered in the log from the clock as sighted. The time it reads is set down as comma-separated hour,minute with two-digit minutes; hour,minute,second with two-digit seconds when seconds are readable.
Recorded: 1,28,32
